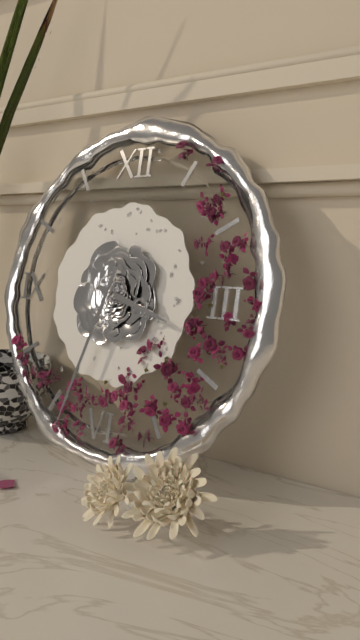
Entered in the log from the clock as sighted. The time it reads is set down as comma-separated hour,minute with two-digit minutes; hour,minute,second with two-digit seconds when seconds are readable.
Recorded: 3,33
